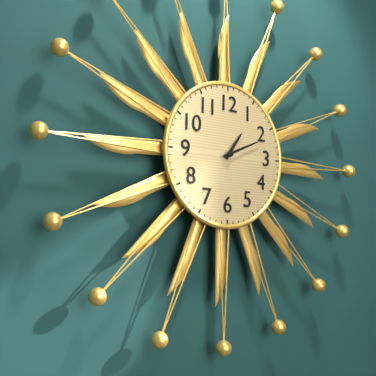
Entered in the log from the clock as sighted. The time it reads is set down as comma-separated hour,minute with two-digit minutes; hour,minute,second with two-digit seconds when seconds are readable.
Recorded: 1,11
